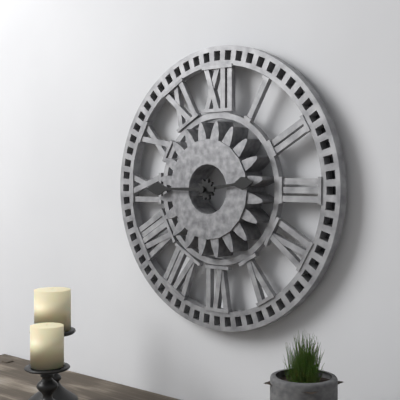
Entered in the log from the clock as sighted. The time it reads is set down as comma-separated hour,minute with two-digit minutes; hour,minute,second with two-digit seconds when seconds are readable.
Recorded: 2,45
